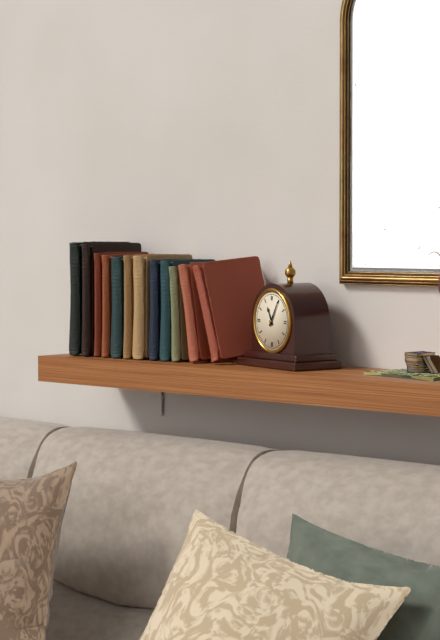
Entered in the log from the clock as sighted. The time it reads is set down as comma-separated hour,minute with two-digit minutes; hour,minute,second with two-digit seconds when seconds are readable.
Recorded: 11,05
